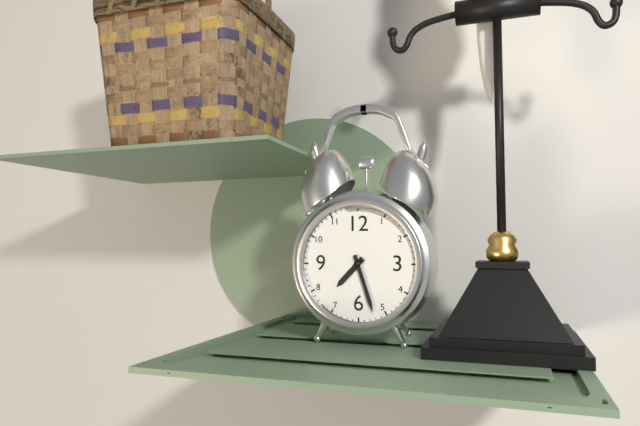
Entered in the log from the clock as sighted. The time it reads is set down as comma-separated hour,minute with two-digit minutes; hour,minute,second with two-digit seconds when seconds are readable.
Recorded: 7,27
